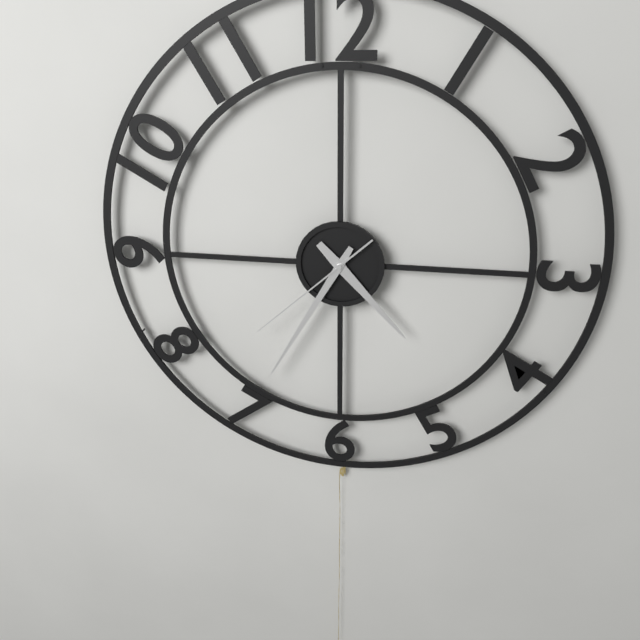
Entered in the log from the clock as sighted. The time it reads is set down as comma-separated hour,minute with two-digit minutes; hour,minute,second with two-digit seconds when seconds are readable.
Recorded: 4,35,38
